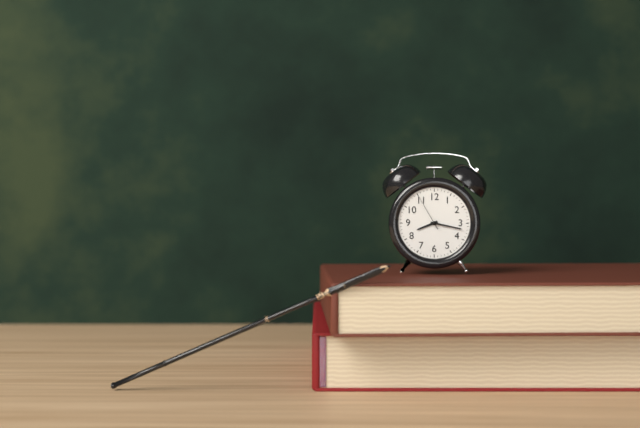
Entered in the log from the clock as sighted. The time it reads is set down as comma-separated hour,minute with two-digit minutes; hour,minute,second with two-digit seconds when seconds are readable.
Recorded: 8,17
